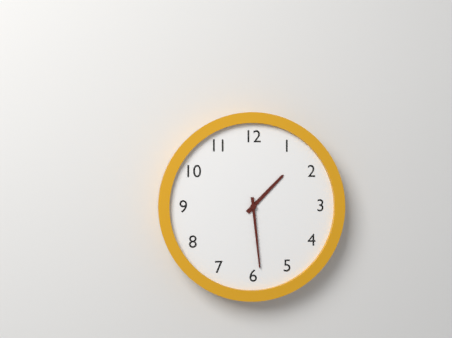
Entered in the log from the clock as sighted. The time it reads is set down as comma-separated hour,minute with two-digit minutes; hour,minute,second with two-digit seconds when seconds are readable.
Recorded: 1,29
